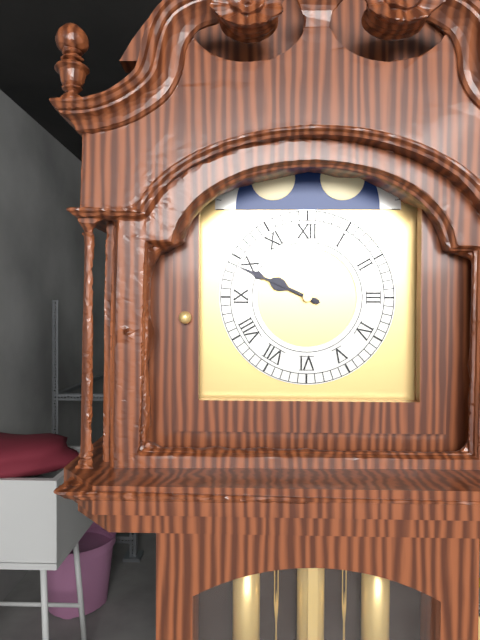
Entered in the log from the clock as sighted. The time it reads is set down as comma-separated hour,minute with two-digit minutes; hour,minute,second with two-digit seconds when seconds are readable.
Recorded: 9,49
